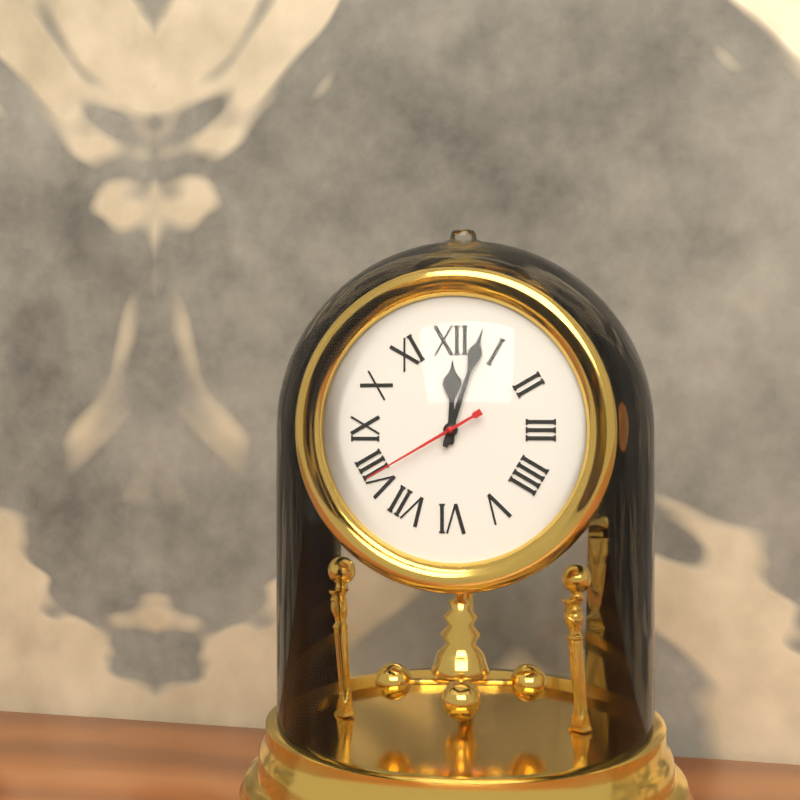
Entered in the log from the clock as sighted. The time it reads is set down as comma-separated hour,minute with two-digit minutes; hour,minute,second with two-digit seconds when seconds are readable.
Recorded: 12,03,40
